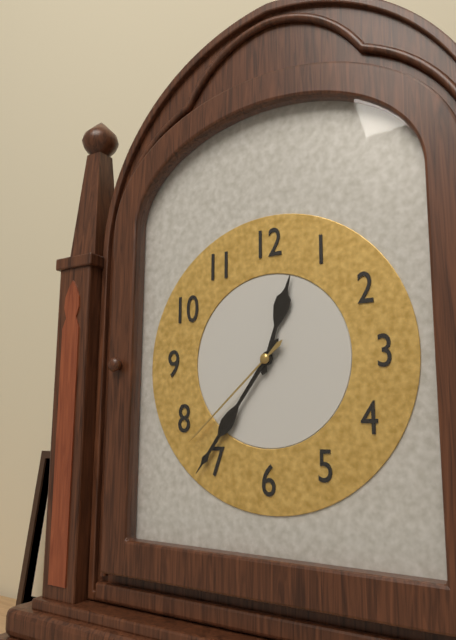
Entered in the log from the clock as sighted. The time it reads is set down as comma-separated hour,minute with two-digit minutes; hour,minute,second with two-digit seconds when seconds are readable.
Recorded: 12,36,38
